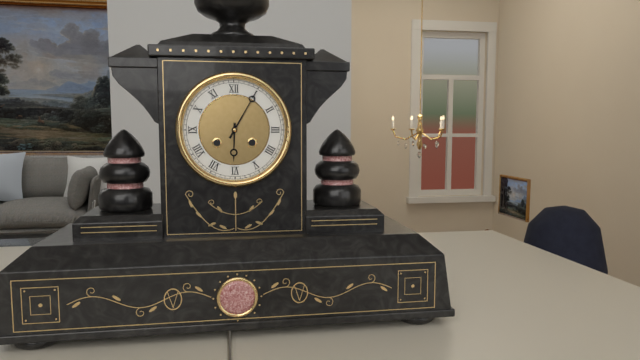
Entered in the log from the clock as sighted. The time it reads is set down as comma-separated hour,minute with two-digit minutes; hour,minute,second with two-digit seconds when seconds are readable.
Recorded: 6,05
